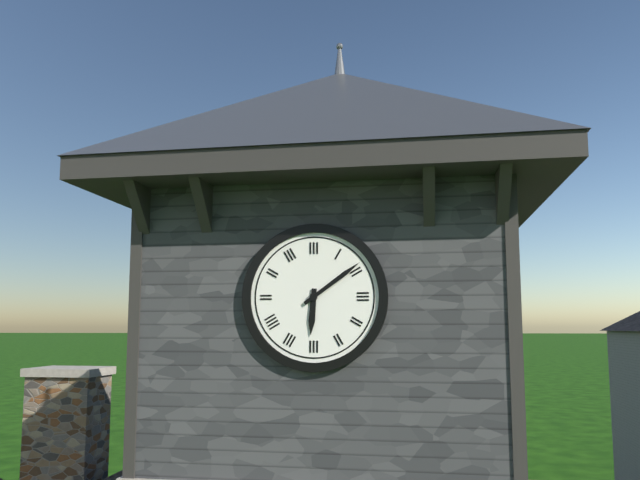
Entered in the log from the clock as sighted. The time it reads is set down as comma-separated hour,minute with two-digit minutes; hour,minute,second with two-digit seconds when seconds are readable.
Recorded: 6,09
